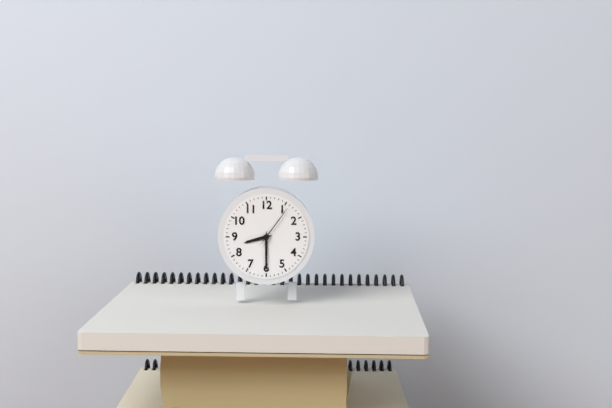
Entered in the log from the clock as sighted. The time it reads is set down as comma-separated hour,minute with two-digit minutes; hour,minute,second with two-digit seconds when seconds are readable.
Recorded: 8,30
